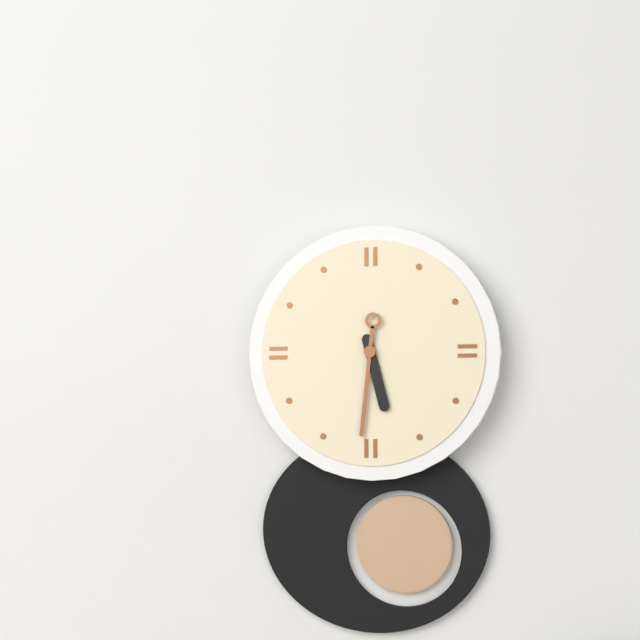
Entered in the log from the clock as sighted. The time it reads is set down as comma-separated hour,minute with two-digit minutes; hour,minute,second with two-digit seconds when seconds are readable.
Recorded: 5,31
